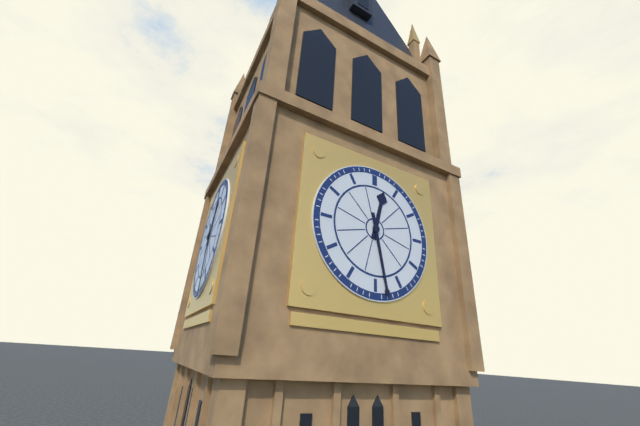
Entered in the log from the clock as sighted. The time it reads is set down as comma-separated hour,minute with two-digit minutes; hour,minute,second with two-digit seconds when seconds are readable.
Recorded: 12,28
